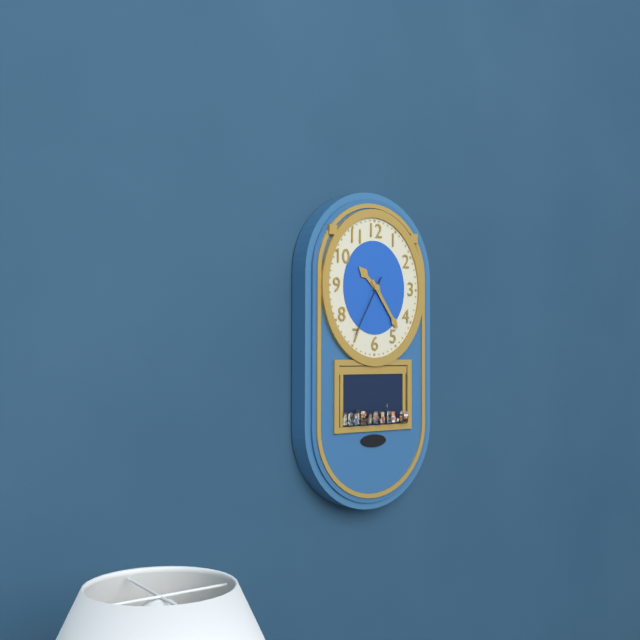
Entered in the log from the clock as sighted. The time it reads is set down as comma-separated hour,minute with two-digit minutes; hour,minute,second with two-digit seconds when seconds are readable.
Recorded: 10,24,35
